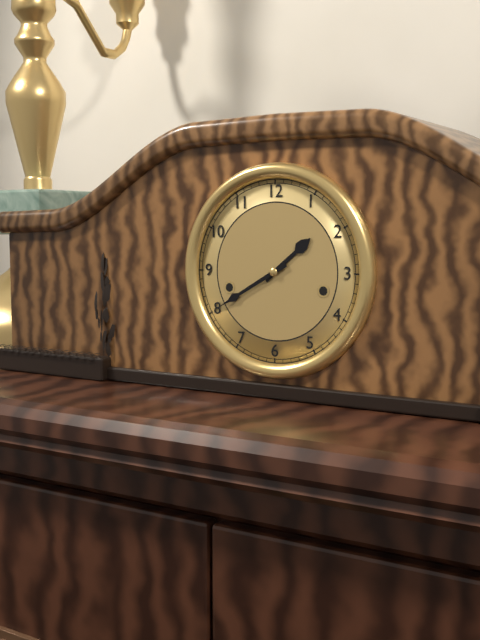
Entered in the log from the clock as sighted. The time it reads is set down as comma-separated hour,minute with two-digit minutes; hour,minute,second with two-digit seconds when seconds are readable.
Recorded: 1,40
